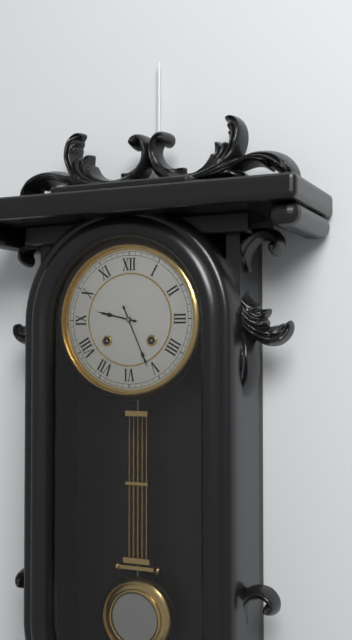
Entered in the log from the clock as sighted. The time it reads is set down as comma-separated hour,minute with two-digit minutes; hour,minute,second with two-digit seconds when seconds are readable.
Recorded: 9,26
